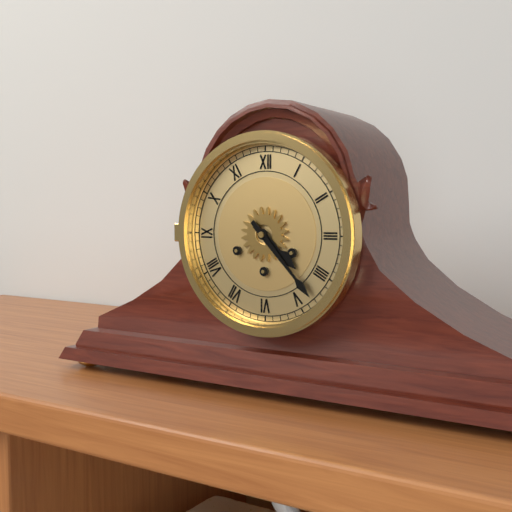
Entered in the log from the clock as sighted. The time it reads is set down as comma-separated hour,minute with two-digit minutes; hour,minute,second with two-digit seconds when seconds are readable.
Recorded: 4,23
